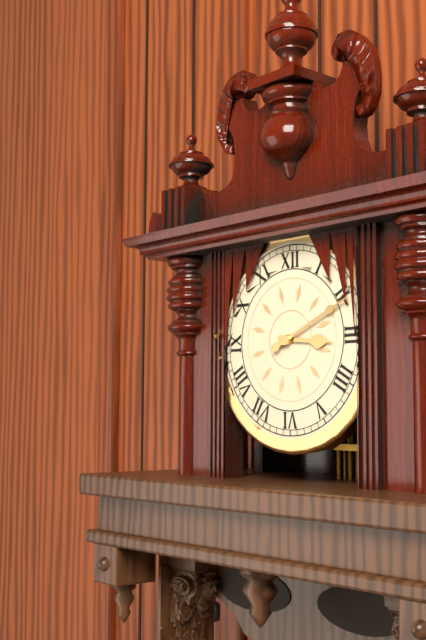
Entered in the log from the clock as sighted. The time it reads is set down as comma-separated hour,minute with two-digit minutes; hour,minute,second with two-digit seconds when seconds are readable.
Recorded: 3,11
